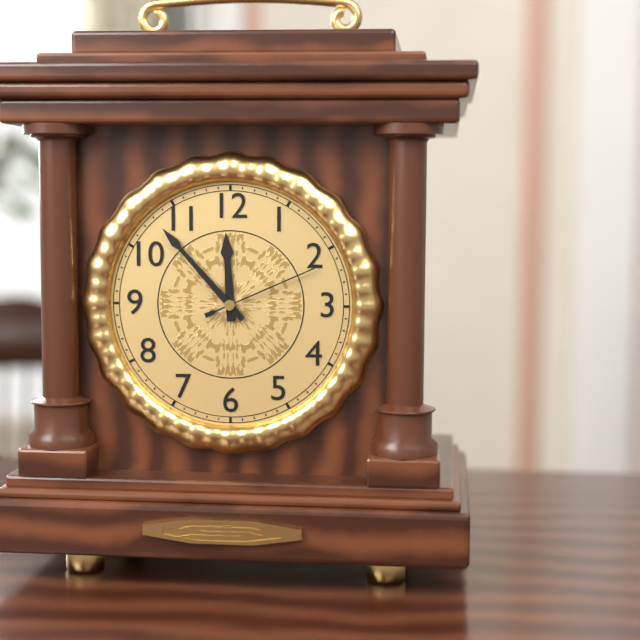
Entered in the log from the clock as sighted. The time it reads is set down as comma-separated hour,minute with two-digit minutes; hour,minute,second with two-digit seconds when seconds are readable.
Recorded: 11,53,11
